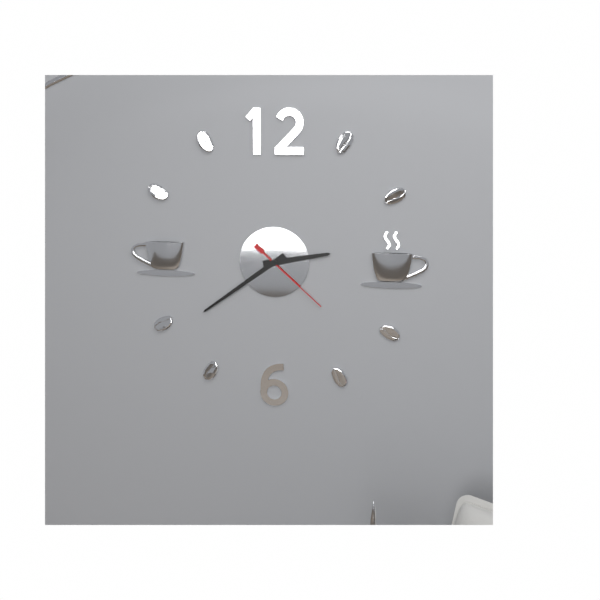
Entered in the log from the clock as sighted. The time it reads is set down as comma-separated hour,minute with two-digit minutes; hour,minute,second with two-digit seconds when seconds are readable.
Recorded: 2,39,22
